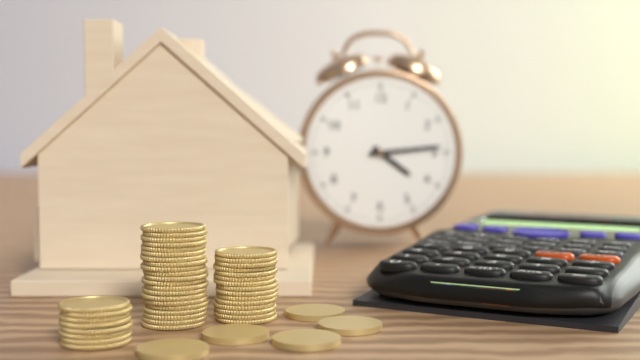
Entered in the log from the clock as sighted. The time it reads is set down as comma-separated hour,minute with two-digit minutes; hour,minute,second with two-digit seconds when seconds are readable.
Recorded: 4,14
